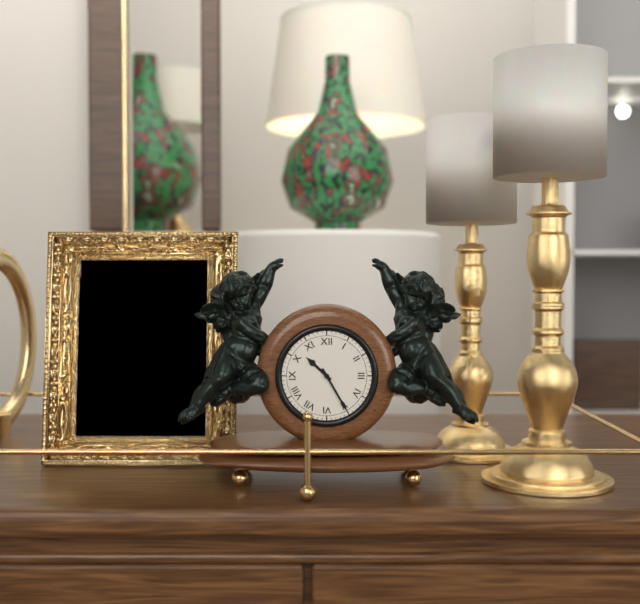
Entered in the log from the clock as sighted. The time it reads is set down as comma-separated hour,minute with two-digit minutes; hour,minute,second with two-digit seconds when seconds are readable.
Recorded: 10,25
